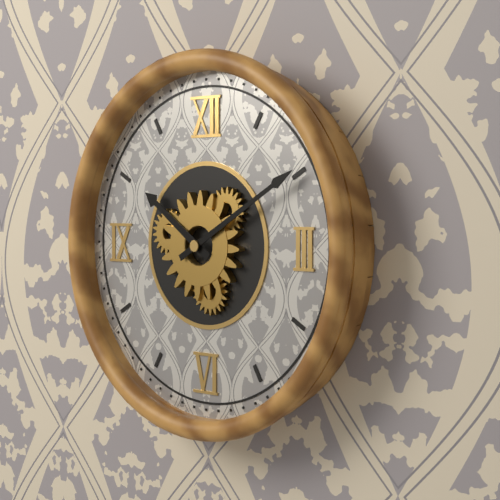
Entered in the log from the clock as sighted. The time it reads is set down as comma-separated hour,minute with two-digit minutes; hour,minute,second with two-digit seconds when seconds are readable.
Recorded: 10,10
